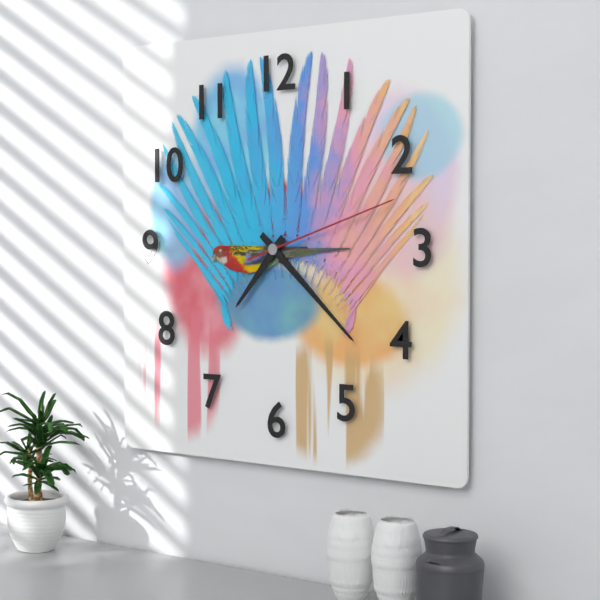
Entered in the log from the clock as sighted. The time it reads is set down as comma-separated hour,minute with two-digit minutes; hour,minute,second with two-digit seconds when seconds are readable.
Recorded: 7,22,12
